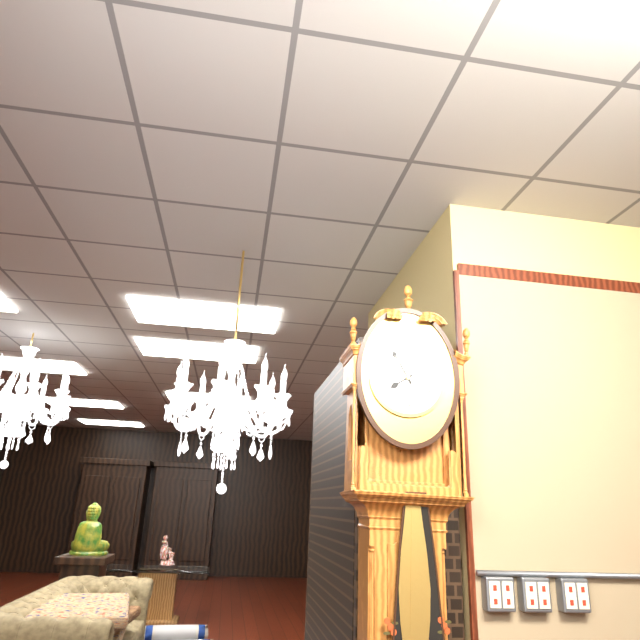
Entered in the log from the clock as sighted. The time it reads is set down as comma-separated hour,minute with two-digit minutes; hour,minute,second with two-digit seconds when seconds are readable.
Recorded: 7,55
